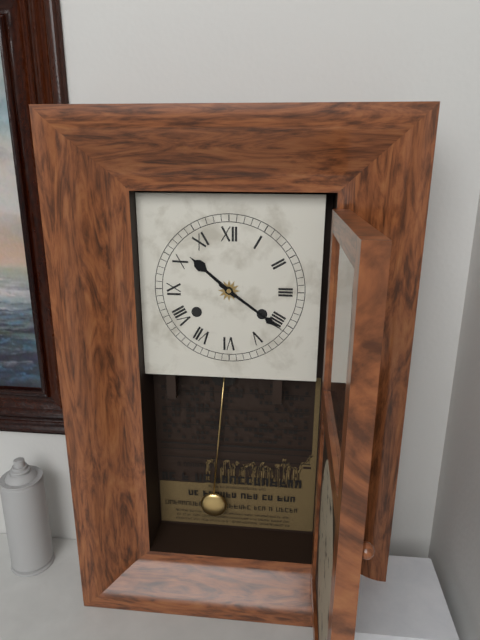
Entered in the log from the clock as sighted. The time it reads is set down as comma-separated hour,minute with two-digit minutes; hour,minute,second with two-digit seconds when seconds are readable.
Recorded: 10,21
